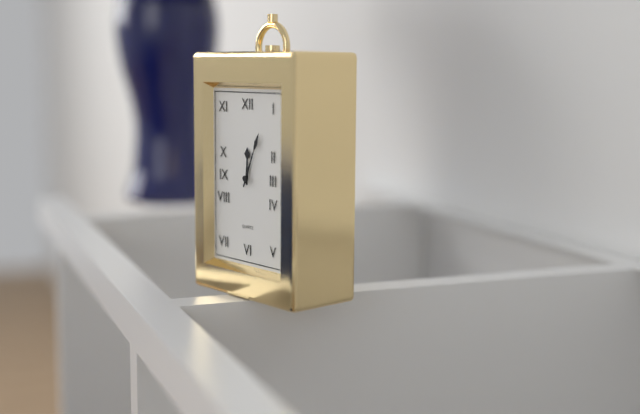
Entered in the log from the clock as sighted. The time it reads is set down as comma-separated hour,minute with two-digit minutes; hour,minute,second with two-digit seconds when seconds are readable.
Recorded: 12,04
